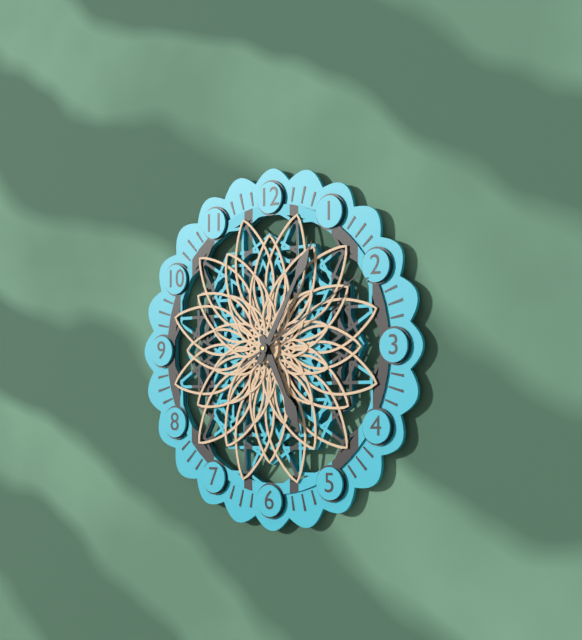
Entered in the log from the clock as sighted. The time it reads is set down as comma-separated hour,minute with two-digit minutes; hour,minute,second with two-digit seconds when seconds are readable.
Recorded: 5,05,10
